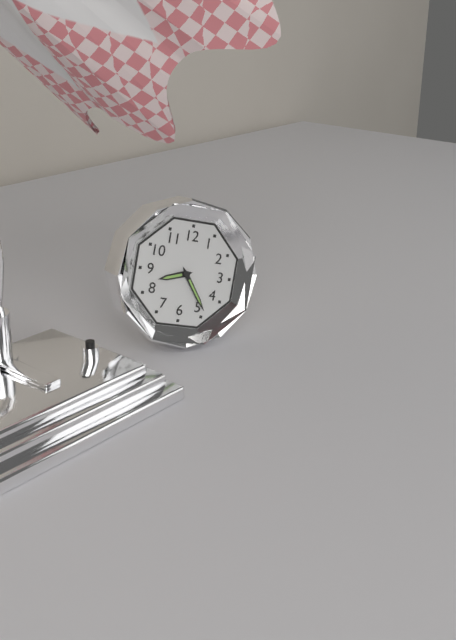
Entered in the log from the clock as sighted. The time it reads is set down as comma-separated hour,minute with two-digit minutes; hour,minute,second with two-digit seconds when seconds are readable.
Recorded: 8,24
